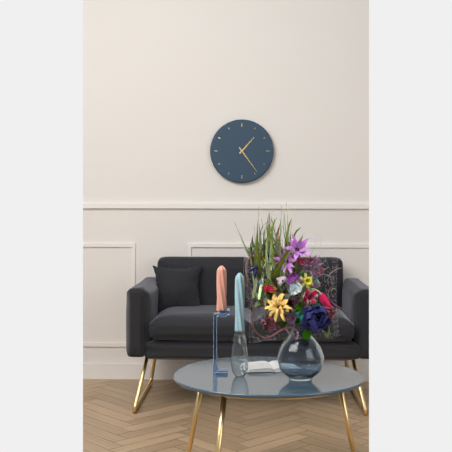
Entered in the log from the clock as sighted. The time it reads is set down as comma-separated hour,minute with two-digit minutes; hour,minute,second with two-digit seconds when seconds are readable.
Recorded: 1,24
